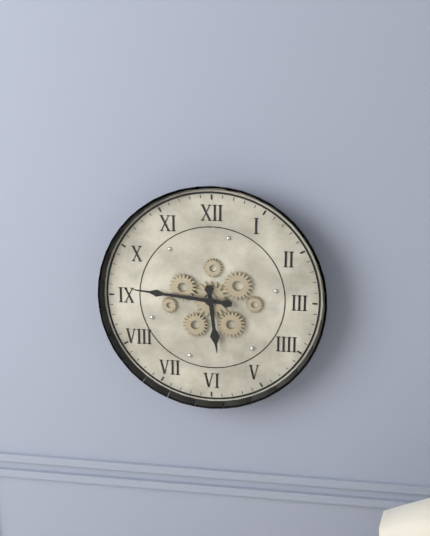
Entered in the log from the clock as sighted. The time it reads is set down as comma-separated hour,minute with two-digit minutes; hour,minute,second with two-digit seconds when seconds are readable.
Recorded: 5,46
